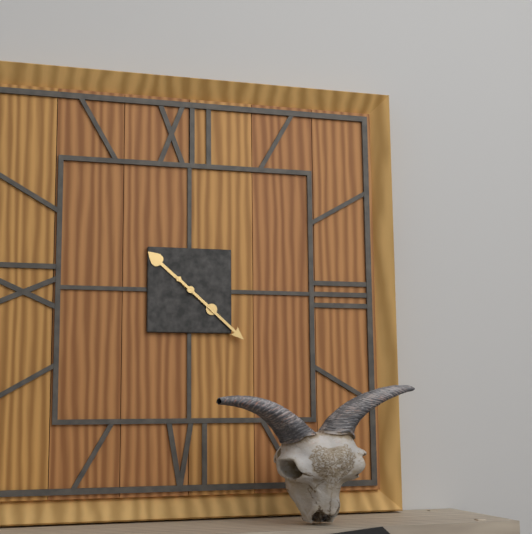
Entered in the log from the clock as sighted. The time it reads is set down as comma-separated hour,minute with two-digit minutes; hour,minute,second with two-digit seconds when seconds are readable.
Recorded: 10,22
